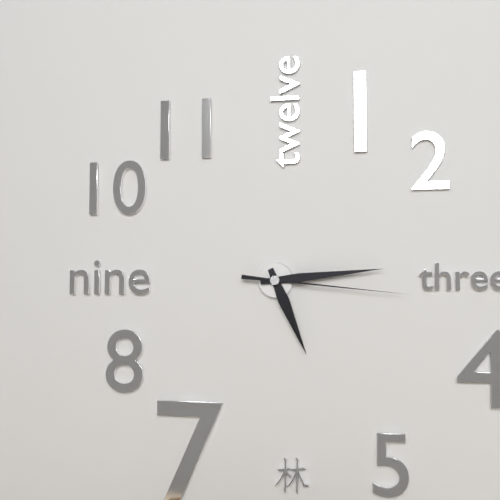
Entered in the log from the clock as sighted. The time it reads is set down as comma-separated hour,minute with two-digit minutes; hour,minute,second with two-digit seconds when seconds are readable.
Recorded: 5,14,16
